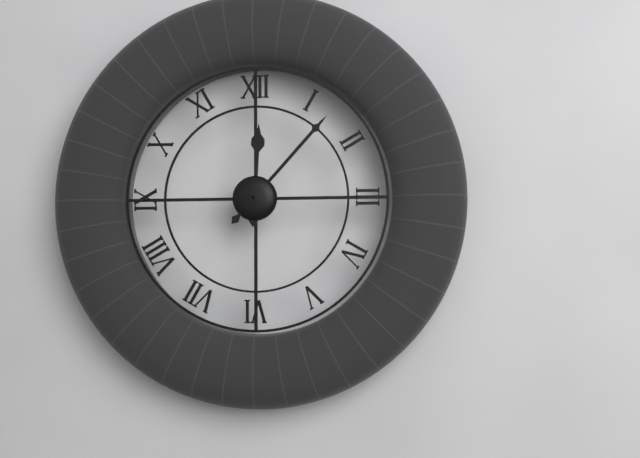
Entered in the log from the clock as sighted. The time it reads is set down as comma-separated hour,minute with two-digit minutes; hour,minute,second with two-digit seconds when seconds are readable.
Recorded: 12,07
